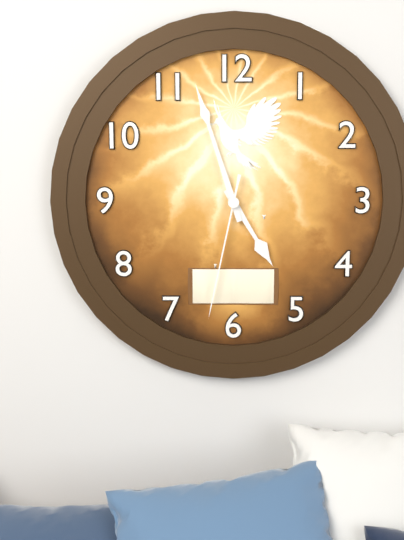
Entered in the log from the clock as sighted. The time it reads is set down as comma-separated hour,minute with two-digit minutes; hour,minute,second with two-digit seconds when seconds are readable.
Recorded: 4,57,32
